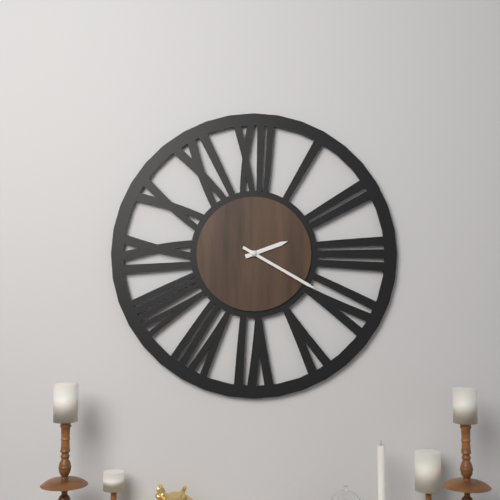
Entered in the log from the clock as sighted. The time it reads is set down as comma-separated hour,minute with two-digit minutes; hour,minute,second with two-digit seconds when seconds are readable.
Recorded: 2,20
